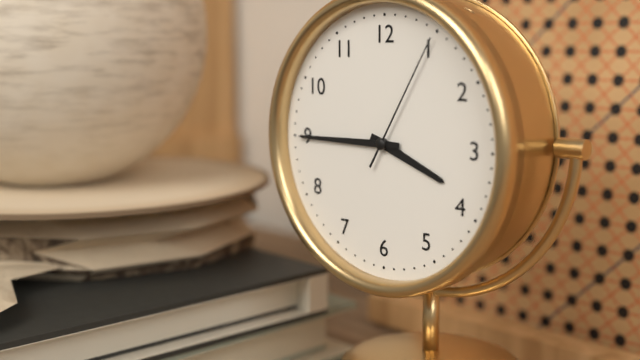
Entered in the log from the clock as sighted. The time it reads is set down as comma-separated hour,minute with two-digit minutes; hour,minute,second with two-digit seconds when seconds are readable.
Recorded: 3,45,05
